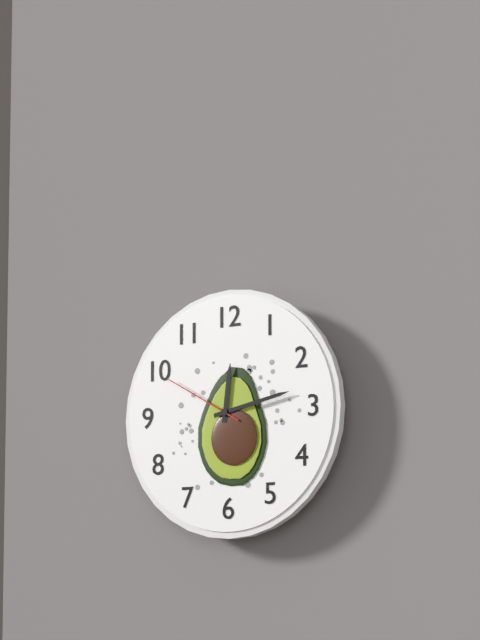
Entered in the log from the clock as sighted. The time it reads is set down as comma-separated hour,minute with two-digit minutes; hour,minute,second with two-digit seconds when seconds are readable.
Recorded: 12,13,50
